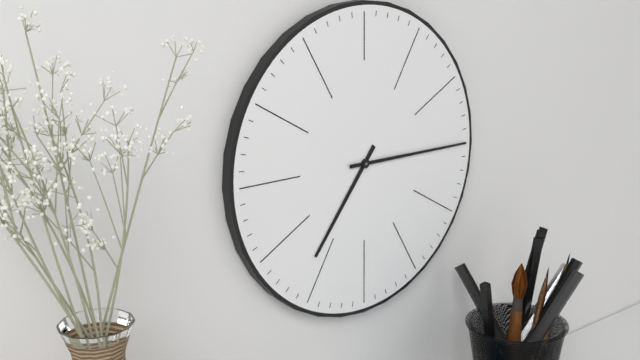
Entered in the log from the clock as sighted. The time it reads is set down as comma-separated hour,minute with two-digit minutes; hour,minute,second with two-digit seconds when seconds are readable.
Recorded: 7,15
